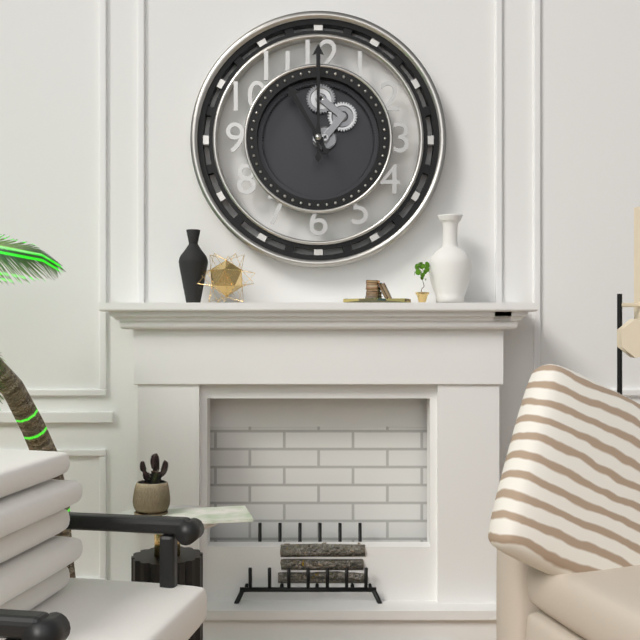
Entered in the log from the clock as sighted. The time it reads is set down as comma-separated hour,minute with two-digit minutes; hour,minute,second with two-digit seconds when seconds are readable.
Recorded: 11,00
